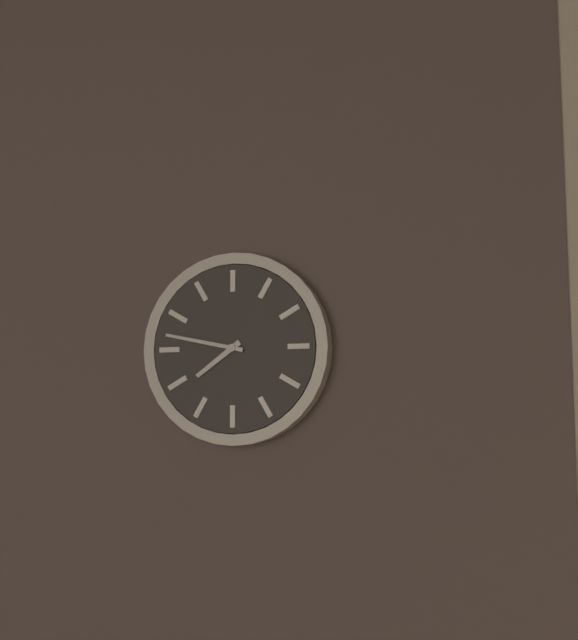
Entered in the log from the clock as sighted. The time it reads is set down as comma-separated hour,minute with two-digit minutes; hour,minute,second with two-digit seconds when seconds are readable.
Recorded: 7,47
